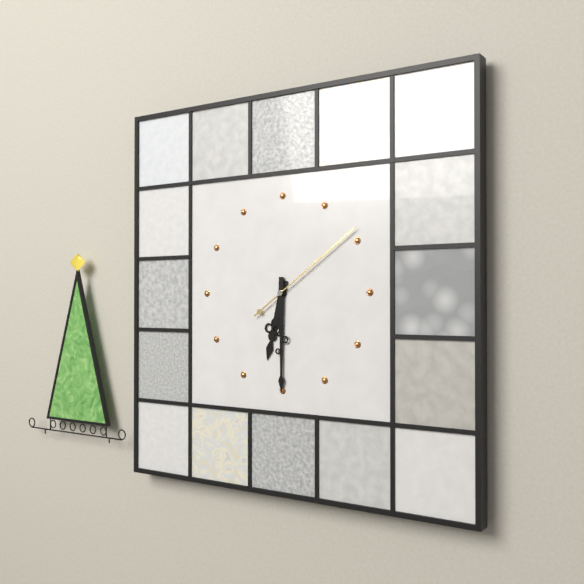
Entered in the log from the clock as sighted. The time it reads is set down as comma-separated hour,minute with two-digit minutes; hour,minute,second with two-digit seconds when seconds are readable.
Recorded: 6,30,09
